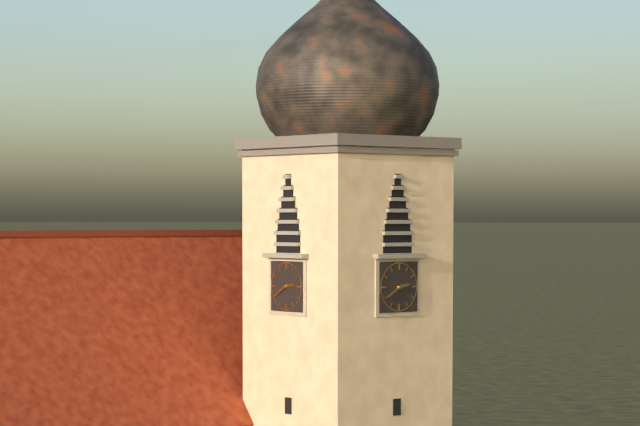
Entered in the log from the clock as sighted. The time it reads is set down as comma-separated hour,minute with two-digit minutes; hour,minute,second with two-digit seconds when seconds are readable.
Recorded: 2,40
